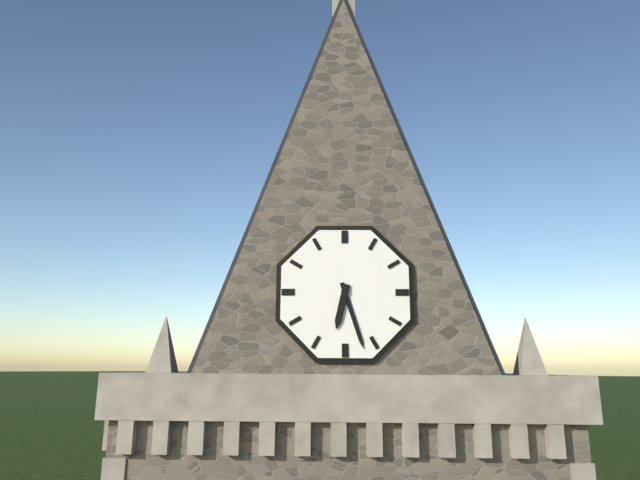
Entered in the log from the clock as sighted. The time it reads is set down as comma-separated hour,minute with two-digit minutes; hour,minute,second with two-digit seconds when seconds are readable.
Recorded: 6,27
